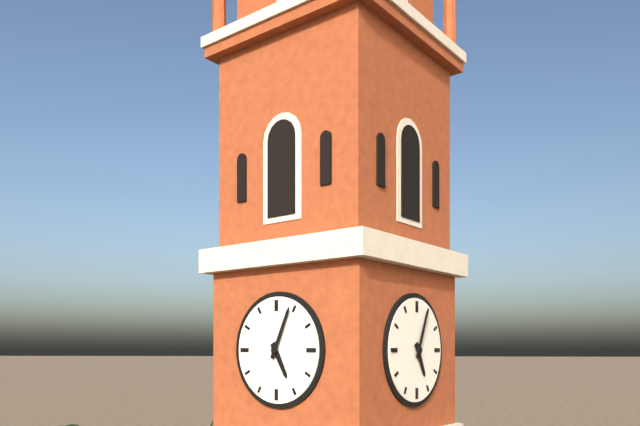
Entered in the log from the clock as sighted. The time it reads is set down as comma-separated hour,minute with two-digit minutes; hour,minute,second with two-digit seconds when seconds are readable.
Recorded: 5,04
